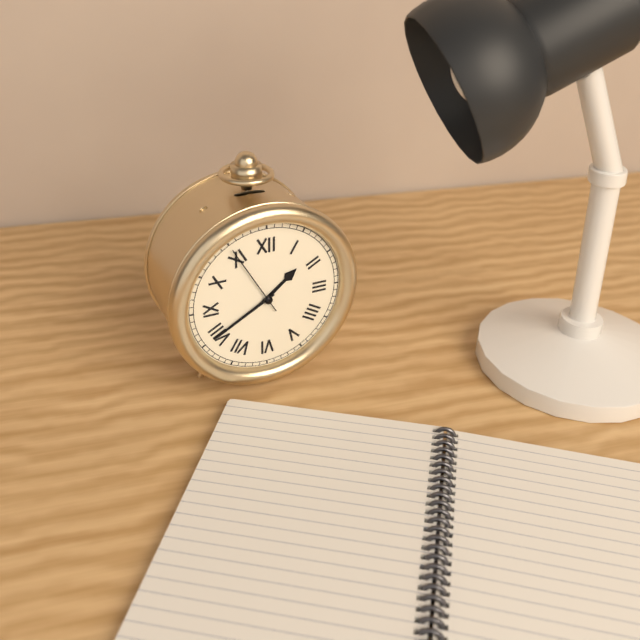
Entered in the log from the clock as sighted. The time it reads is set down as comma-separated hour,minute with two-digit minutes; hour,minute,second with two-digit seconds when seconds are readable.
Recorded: 1,40,55
